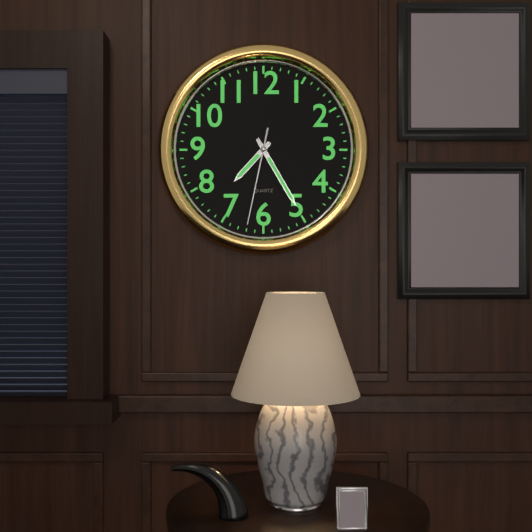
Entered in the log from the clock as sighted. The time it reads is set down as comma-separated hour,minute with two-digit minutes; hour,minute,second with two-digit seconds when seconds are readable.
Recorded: 7,25,32
